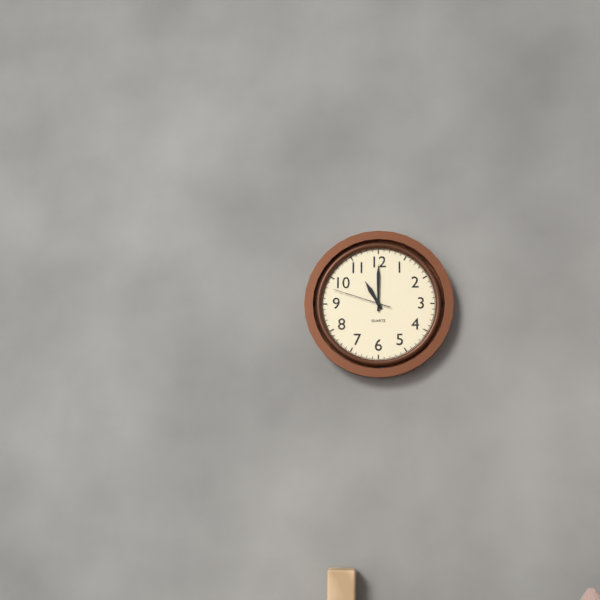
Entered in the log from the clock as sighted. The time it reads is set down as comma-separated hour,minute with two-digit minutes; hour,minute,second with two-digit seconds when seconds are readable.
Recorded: 11,00,48
